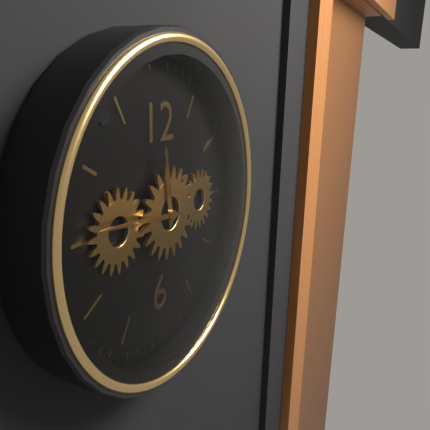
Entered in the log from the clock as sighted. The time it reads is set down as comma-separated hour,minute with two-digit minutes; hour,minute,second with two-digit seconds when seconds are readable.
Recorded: 11,46
